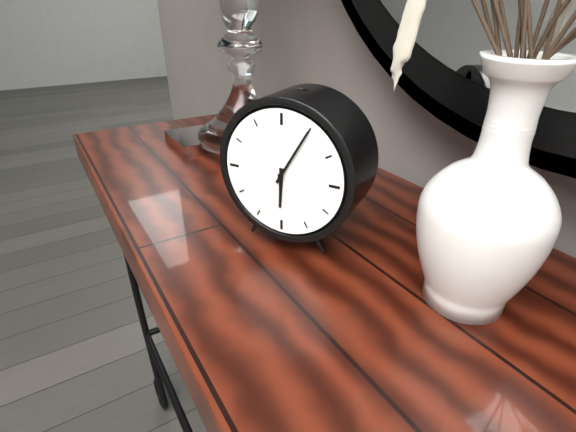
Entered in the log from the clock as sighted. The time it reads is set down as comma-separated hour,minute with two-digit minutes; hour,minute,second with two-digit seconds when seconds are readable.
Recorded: 6,05
